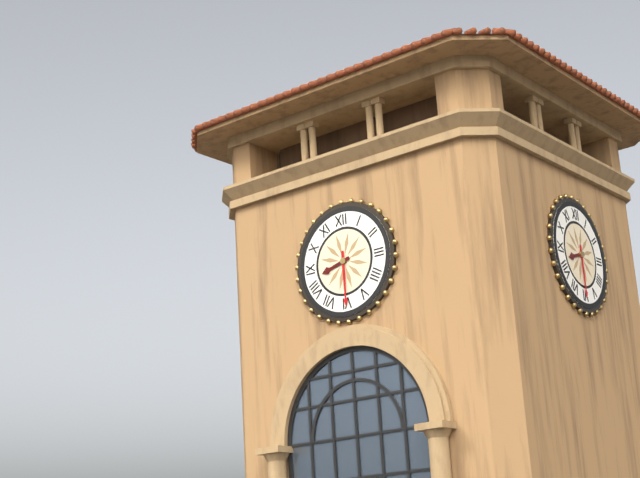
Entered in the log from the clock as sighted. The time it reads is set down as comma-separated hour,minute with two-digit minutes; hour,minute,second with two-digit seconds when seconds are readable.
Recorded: 8,30
